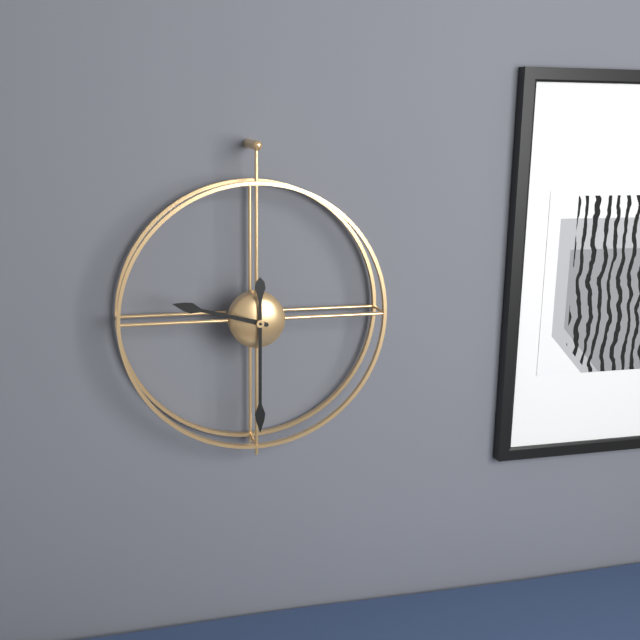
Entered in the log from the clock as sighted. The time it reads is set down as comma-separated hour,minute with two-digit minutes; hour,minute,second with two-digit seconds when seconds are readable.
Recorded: 9,30
